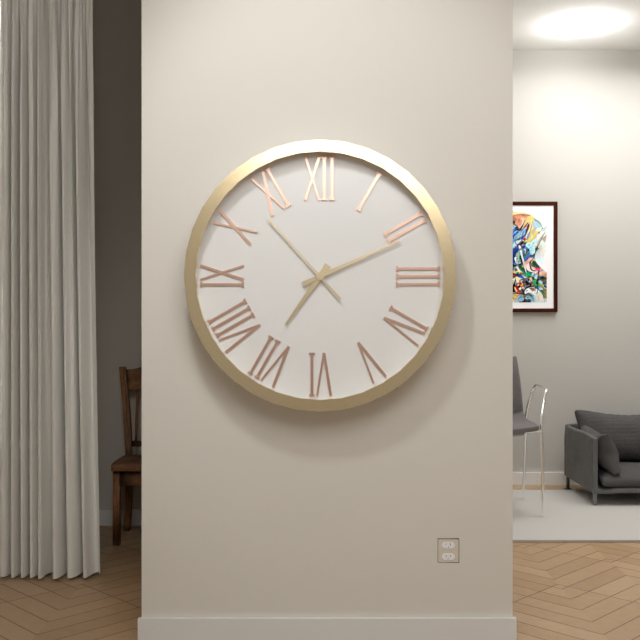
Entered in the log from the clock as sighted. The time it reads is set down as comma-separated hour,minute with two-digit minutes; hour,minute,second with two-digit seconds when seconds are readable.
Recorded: 7,11,53
